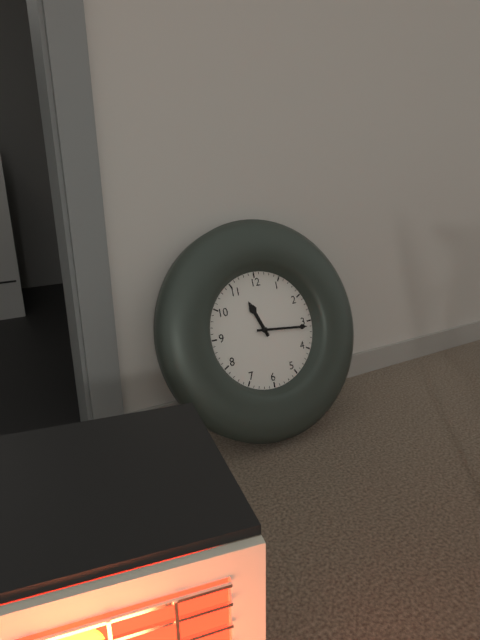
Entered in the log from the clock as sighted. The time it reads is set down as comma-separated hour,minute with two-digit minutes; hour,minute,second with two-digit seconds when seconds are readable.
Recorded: 11,16
